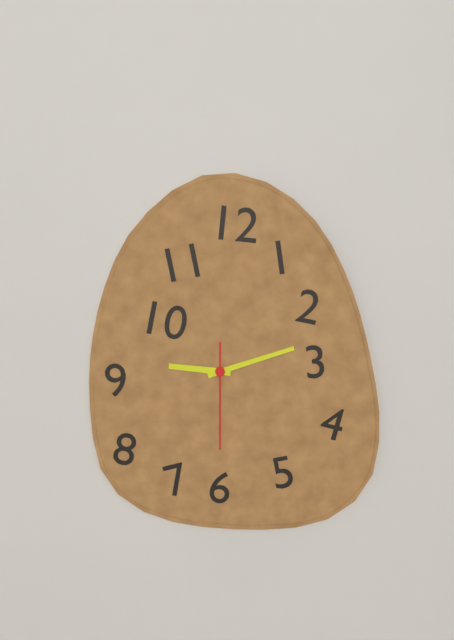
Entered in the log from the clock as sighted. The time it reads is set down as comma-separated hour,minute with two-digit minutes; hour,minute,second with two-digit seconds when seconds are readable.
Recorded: 9,12,30
